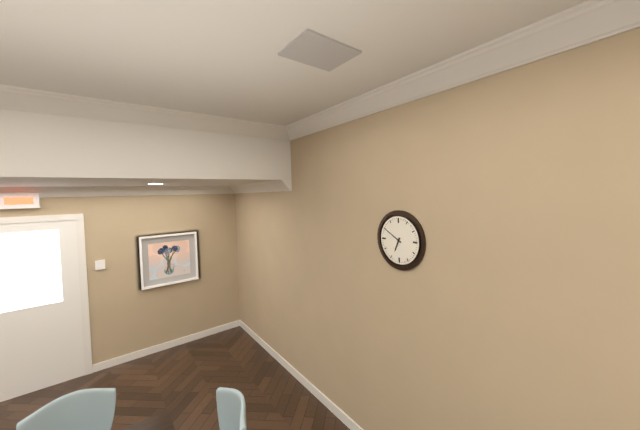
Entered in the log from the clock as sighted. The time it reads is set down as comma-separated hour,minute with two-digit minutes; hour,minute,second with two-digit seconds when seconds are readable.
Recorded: 6,50
